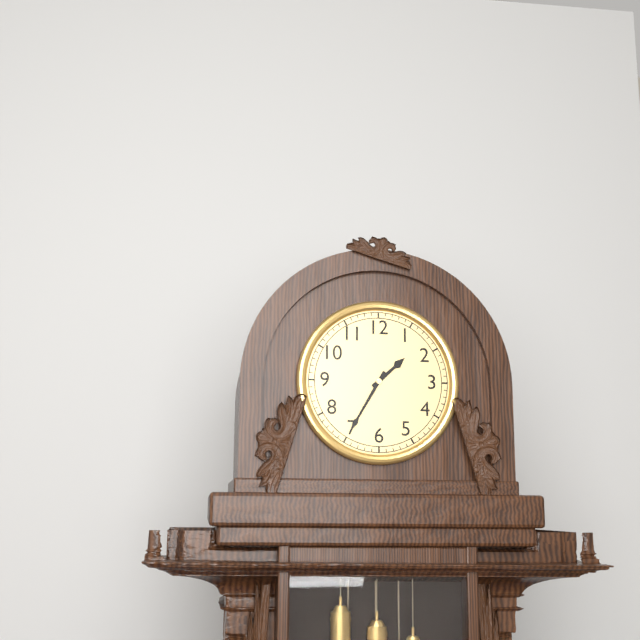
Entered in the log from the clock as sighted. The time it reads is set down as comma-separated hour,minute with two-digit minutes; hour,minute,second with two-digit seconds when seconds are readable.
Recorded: 1,35
